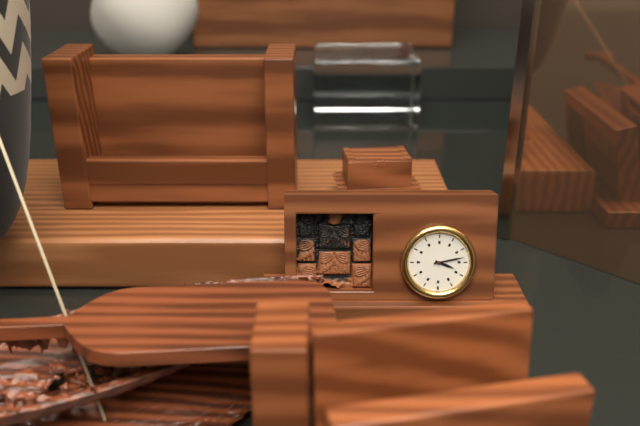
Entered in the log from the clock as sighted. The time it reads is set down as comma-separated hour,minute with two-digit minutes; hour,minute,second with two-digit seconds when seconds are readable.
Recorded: 9,43
